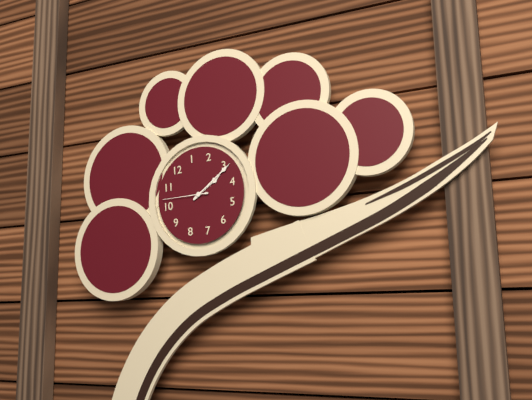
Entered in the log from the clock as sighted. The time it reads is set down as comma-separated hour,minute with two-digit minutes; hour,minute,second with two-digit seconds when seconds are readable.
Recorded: 3,16
